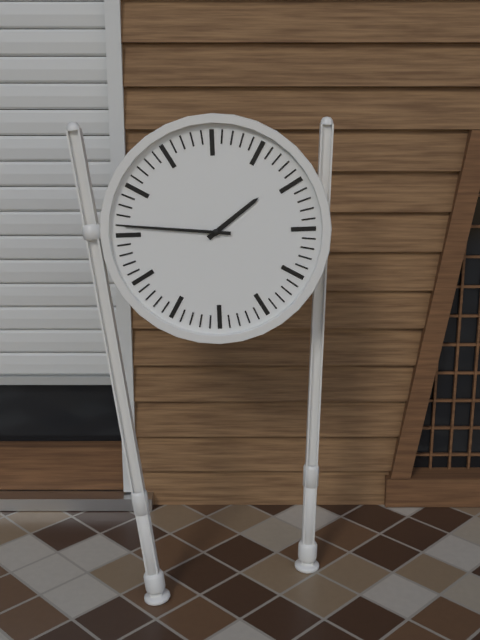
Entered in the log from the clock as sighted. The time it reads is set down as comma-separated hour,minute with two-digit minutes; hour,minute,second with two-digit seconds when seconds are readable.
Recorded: 1,46
